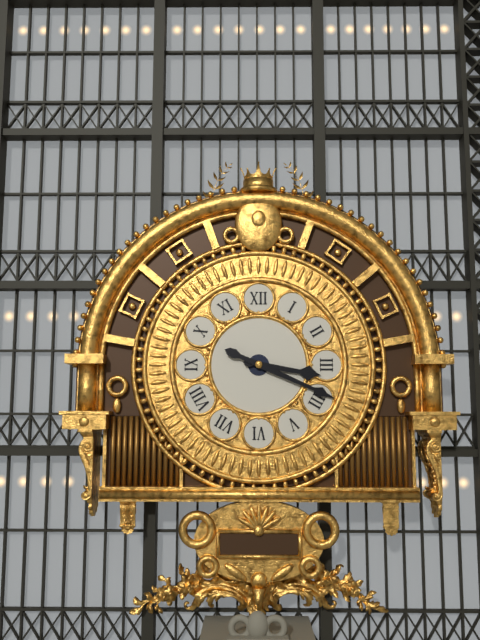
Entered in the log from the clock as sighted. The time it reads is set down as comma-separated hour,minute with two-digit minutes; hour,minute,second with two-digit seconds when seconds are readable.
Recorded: 3,19
